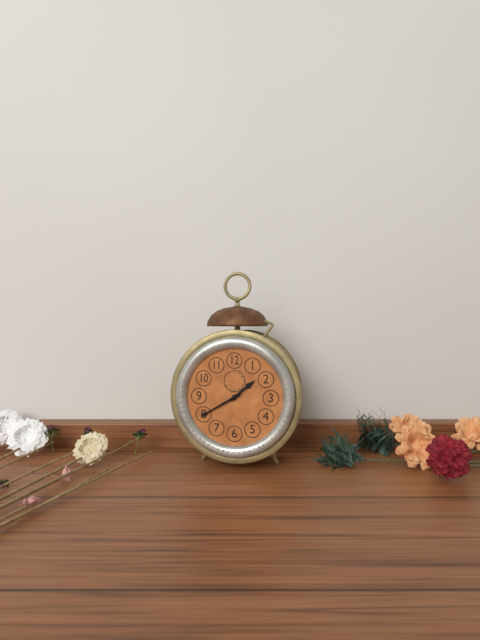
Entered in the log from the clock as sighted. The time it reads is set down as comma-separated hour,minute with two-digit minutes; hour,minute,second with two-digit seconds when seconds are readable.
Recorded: 1,40
